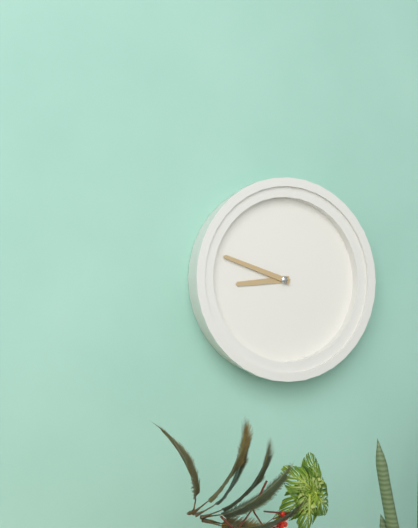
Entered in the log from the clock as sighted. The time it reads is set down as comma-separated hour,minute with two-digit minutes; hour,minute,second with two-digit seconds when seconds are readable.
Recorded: 8,48
